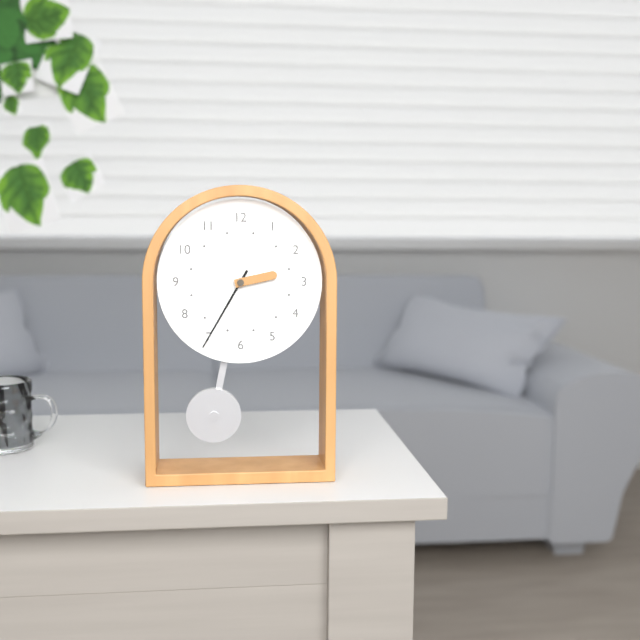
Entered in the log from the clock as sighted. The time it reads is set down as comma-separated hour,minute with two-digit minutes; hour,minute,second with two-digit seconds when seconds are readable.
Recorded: 2,35
